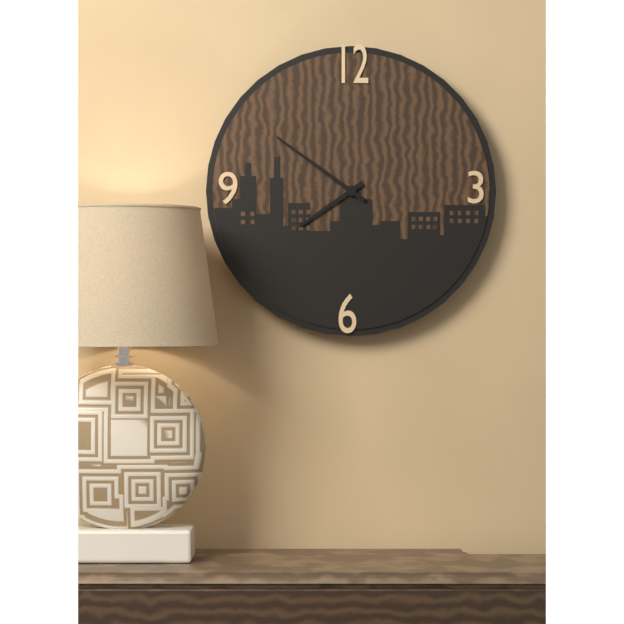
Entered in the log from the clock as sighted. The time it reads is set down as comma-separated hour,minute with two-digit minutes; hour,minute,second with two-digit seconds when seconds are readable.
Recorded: 7,51
